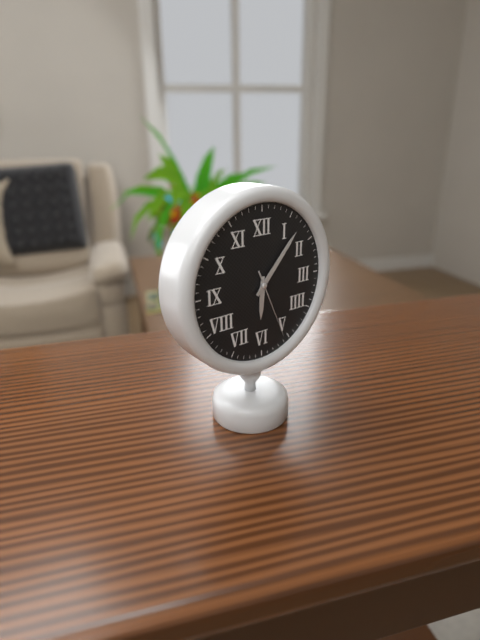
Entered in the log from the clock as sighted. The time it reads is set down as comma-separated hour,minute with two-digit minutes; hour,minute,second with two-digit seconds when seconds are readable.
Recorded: 6,07,26
